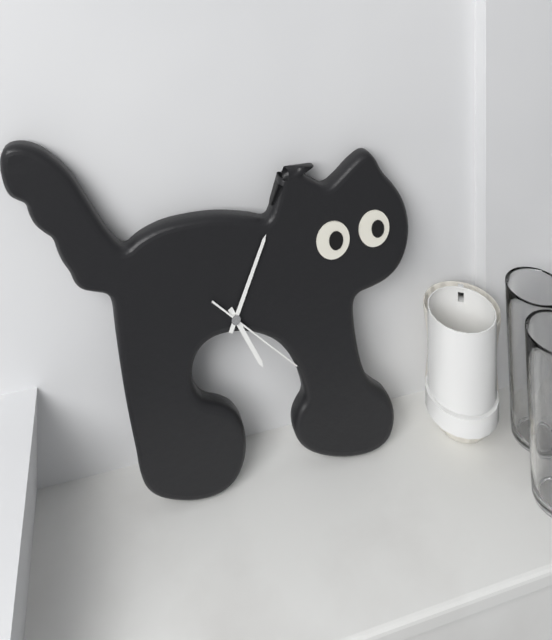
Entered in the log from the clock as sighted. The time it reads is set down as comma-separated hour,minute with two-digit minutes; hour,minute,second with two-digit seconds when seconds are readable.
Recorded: 5,04,22
